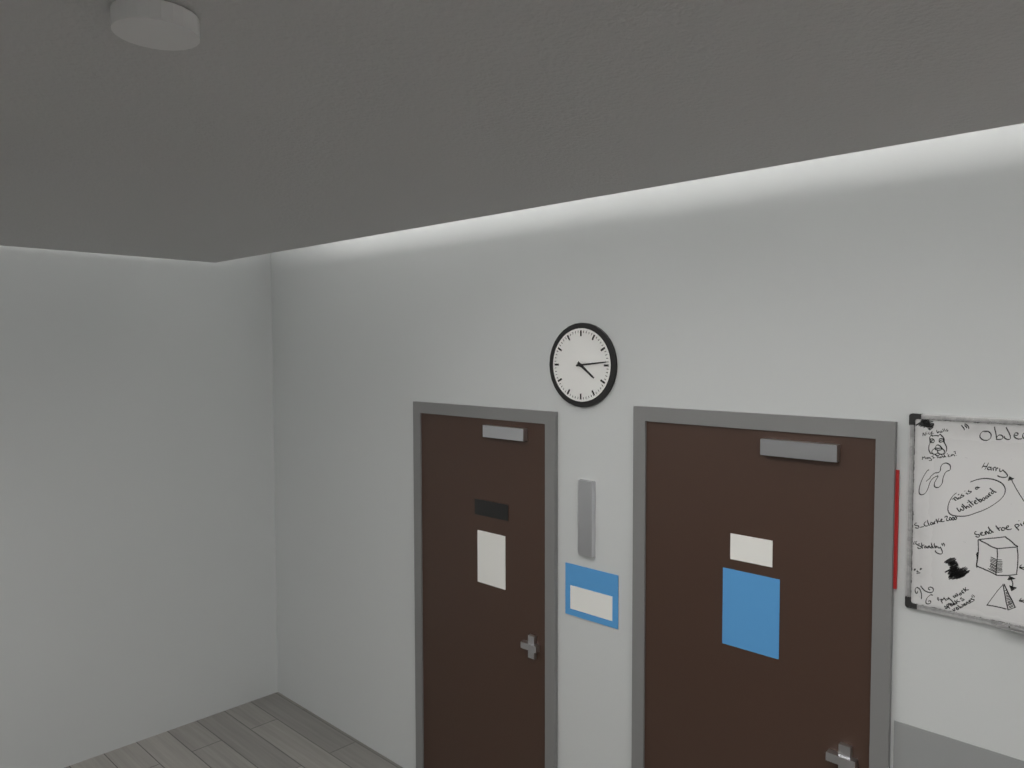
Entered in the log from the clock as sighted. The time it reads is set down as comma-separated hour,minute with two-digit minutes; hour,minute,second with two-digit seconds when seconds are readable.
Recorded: 4,14
